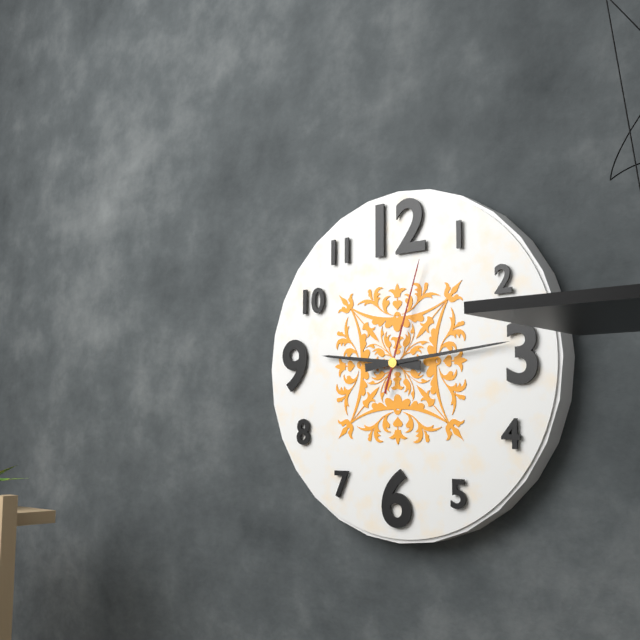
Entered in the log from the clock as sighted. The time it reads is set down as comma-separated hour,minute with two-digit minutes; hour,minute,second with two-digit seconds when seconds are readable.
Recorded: 9,14,03
